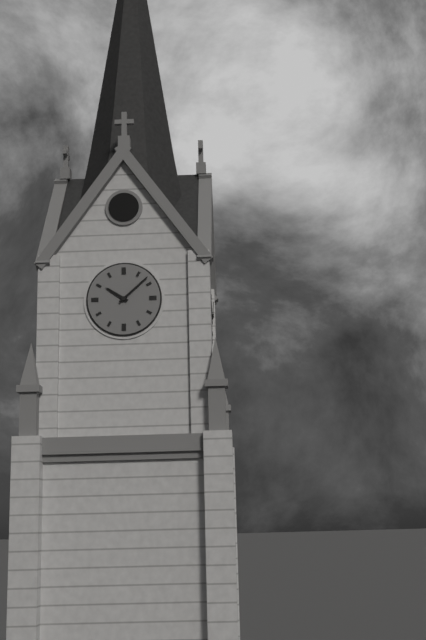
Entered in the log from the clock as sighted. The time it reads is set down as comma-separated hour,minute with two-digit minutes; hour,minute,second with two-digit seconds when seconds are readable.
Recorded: 10,08
